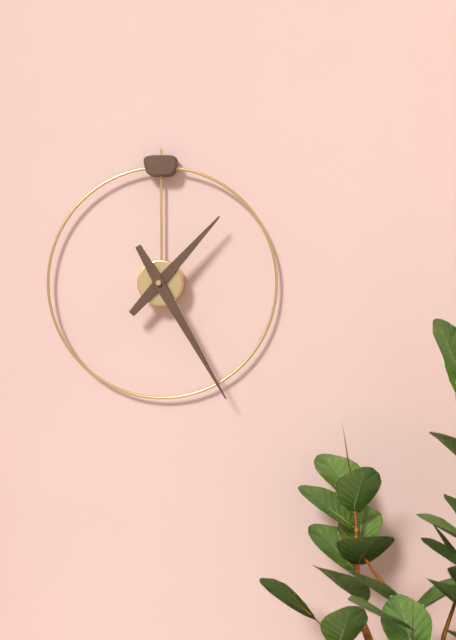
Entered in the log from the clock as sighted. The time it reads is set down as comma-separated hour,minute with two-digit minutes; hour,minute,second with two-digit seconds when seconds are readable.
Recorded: 1,25
